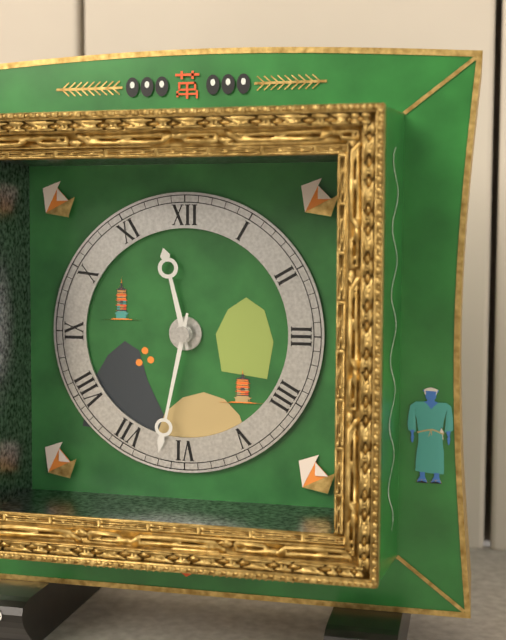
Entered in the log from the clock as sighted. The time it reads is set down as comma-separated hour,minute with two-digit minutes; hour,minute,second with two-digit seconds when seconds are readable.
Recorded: 11,32
